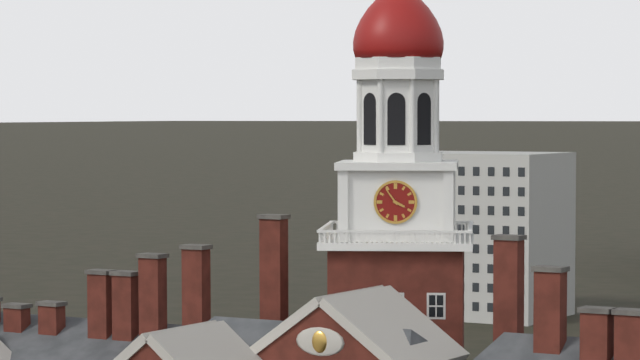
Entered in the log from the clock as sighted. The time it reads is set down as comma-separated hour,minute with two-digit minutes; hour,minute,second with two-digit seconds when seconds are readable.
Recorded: 3,54
